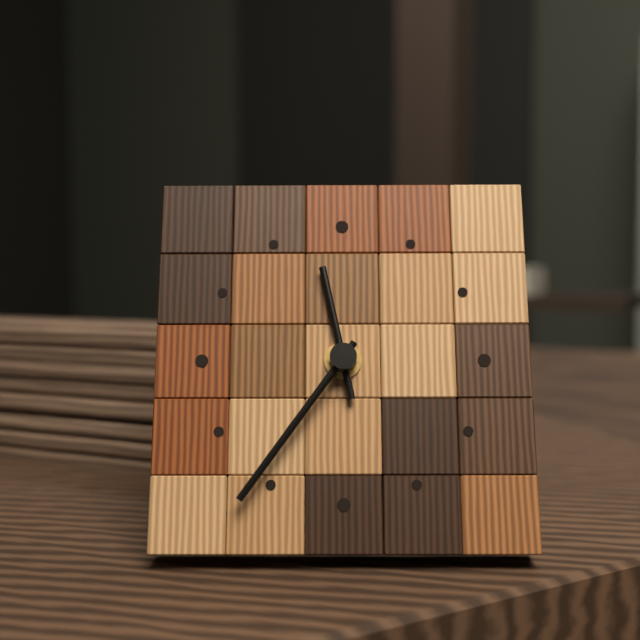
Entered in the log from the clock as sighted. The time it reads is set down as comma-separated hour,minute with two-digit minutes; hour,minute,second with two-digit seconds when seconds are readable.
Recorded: 11,36
